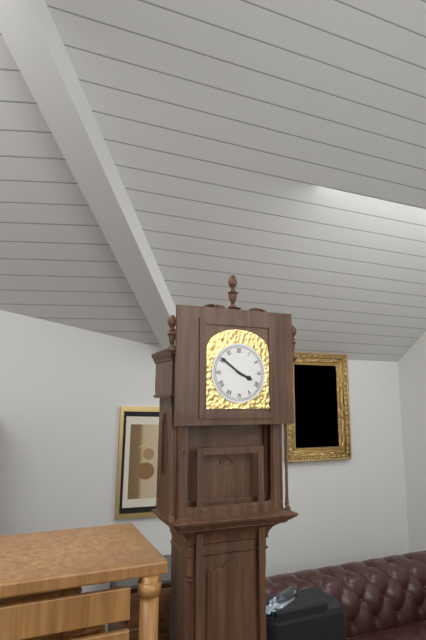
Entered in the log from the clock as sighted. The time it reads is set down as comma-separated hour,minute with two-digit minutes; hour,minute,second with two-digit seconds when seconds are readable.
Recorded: 3,51
